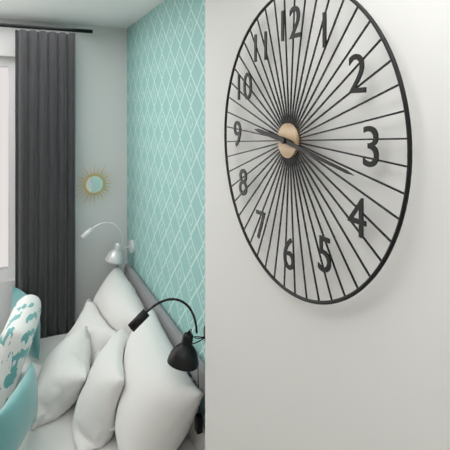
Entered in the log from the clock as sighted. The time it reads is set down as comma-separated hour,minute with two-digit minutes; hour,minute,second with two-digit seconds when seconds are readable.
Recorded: 9,17
